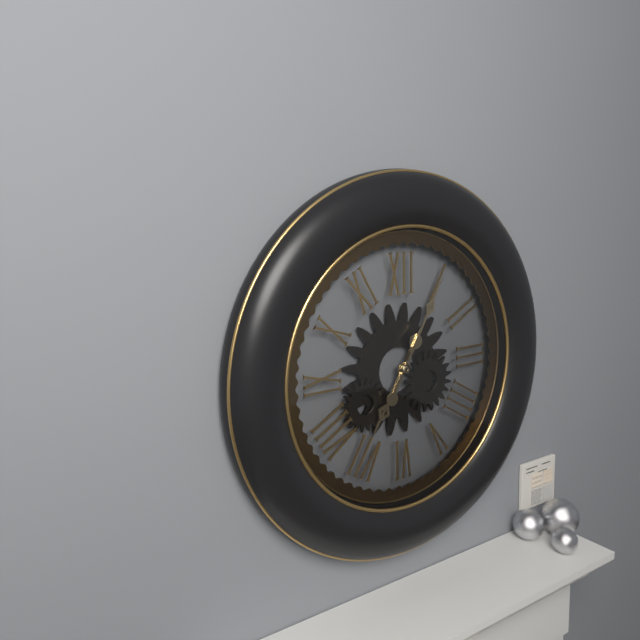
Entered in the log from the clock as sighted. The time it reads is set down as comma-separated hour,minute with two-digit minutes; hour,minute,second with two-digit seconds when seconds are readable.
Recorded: 7,05
